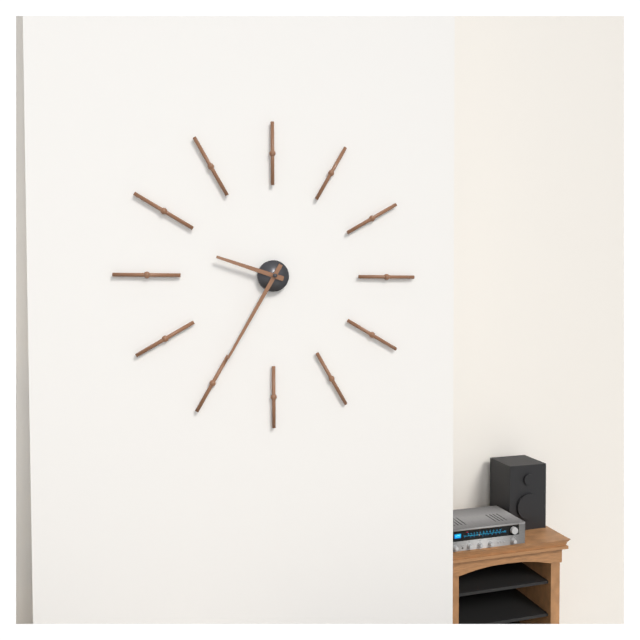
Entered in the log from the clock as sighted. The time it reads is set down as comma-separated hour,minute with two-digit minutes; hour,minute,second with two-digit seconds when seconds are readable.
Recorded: 9,35
